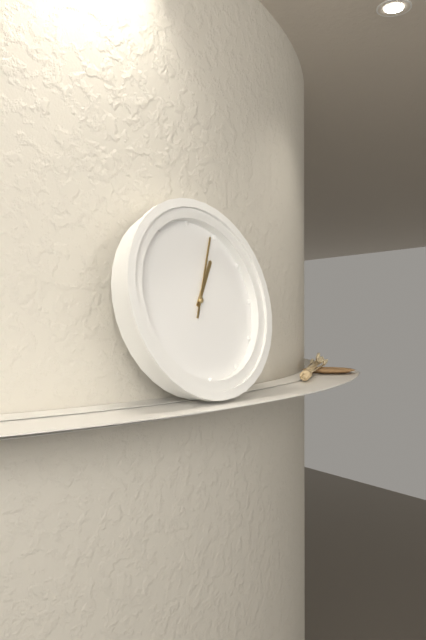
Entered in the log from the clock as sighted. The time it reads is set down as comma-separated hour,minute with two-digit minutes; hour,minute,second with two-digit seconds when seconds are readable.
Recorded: 1,04
